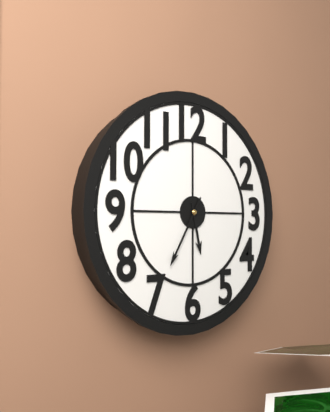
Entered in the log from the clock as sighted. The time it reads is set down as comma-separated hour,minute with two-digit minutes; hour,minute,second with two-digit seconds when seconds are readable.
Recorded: 5,35
